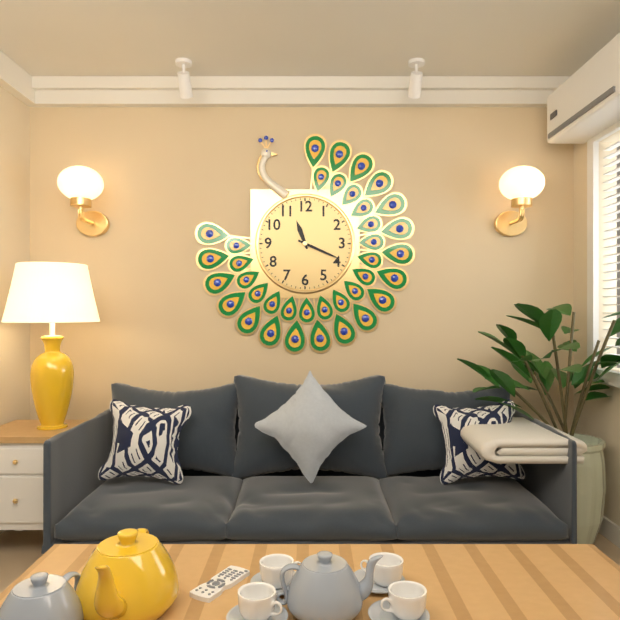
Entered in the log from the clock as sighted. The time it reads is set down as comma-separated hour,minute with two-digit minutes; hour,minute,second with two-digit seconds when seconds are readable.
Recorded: 11,19
